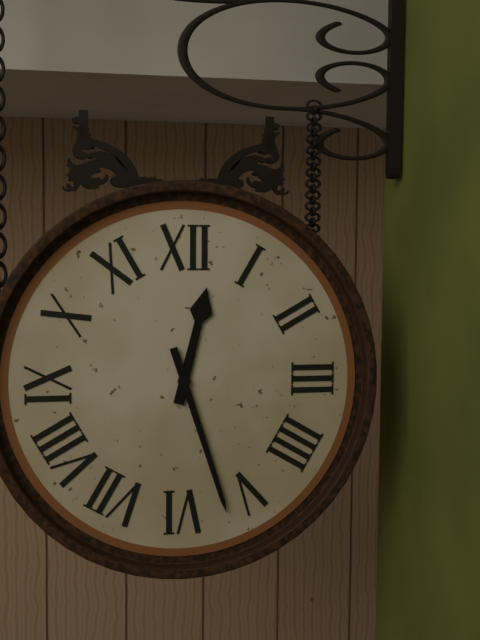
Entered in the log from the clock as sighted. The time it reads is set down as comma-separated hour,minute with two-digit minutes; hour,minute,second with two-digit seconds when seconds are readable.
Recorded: 12,27
